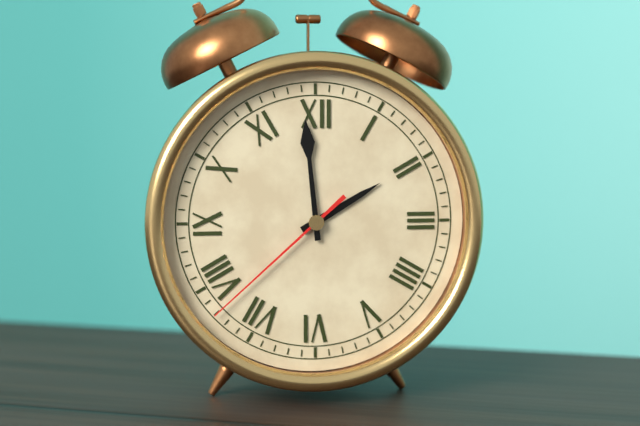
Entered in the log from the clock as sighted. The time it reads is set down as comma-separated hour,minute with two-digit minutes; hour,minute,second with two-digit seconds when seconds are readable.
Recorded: 1,59,38
